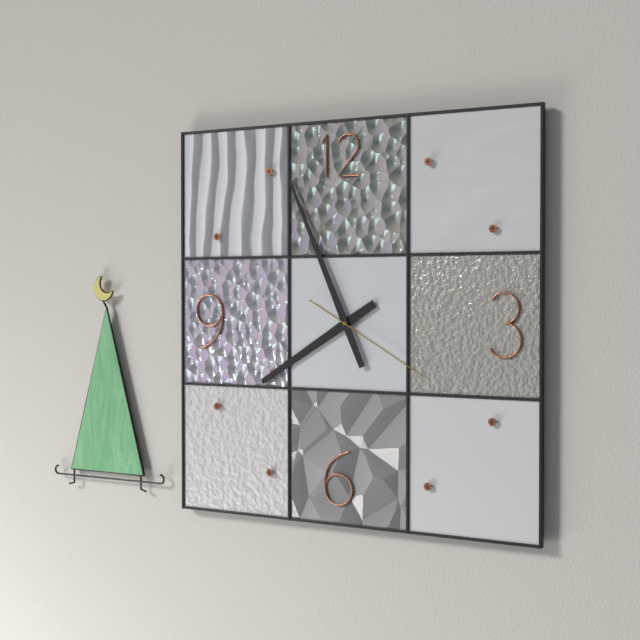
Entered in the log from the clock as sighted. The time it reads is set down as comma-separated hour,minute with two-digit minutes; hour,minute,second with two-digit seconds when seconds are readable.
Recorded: 7,56,20
